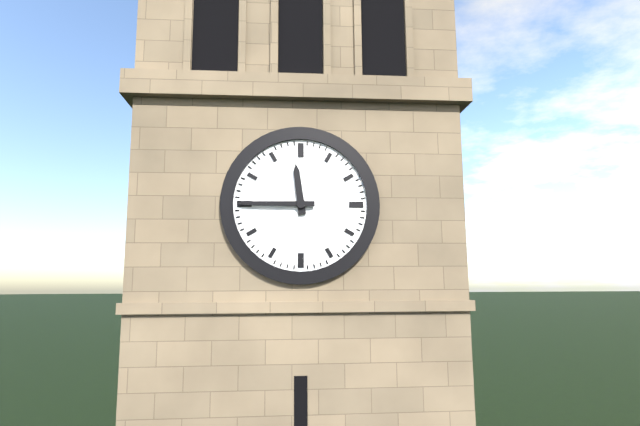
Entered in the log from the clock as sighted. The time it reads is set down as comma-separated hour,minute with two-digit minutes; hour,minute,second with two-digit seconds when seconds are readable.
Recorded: 11,45
